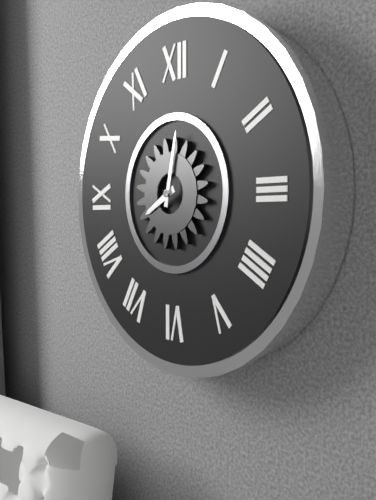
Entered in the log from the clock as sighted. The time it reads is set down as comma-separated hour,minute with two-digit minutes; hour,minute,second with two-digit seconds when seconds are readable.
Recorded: 8,02
